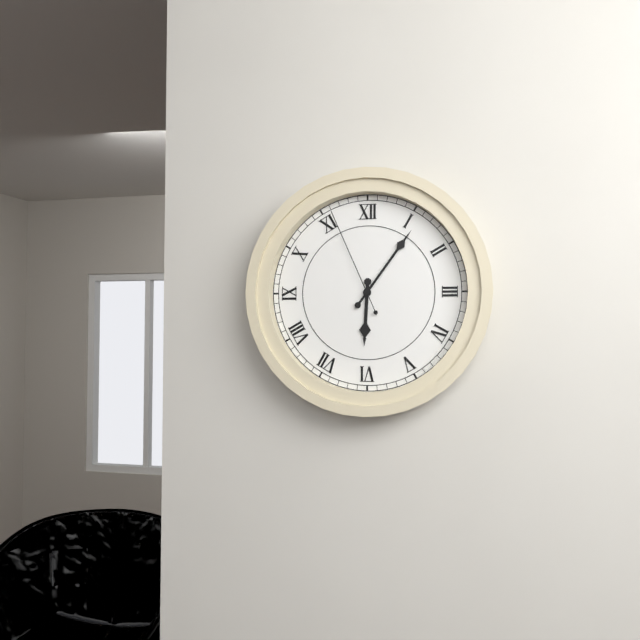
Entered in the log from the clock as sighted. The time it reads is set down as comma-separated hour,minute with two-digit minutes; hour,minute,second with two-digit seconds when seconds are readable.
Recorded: 6,06,56
